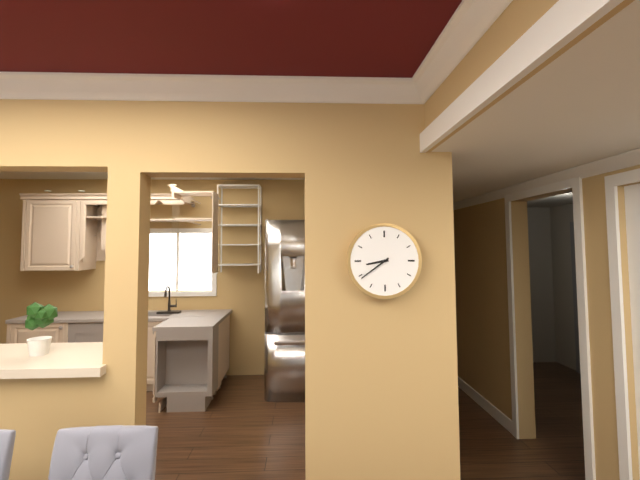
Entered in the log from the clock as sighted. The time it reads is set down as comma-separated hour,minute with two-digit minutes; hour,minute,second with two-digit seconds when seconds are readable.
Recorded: 8,39
